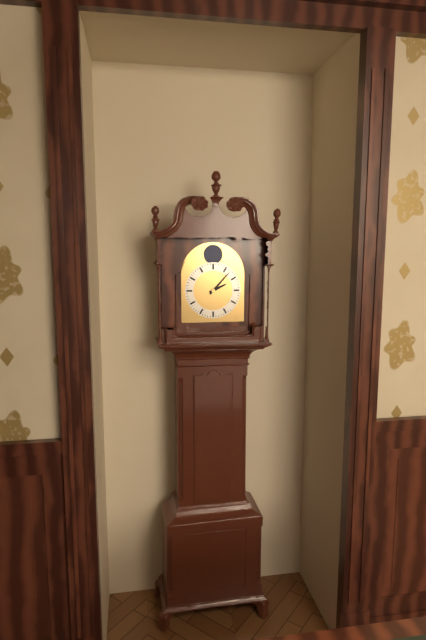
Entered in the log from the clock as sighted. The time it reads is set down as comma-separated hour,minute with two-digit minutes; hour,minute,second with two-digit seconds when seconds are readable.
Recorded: 2,07
